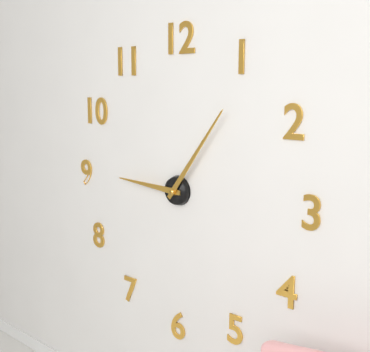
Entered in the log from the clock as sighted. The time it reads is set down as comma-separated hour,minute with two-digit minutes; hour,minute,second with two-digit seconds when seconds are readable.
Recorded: 9,06
